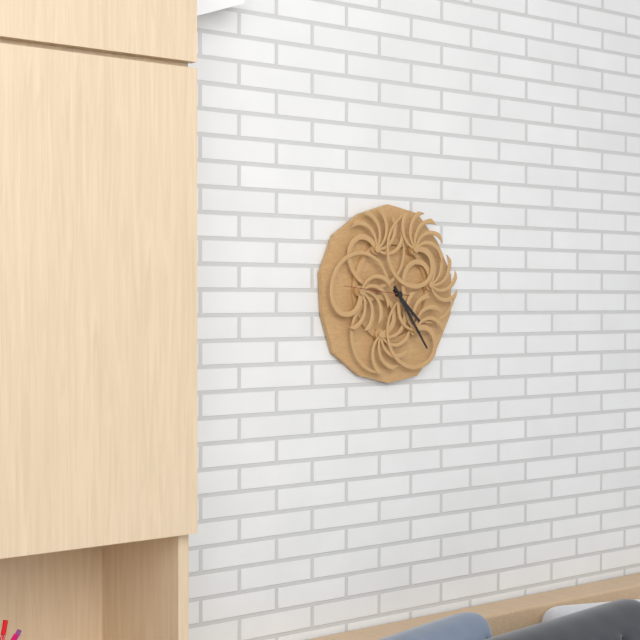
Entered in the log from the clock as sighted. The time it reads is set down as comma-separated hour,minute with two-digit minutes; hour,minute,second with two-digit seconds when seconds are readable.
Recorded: 4,24,46
